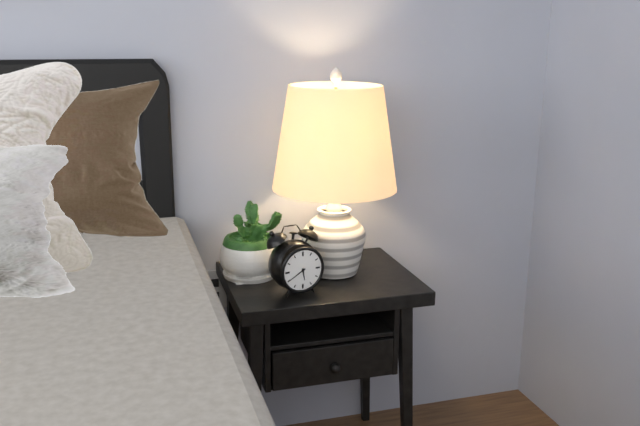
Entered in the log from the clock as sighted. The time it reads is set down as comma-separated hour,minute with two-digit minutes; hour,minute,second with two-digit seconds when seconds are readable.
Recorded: 5,40
